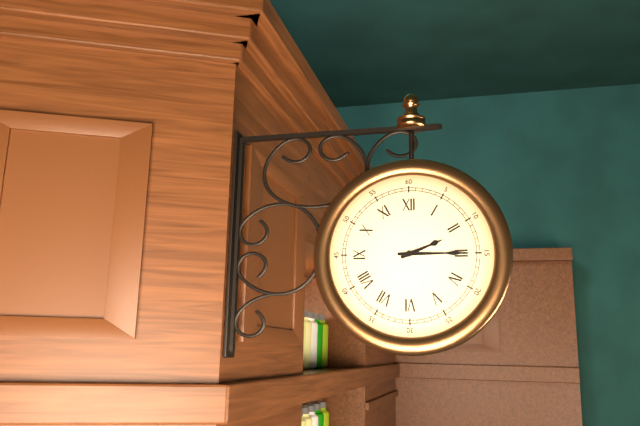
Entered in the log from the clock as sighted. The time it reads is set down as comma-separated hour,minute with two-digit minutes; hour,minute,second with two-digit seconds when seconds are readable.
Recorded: 2,15
